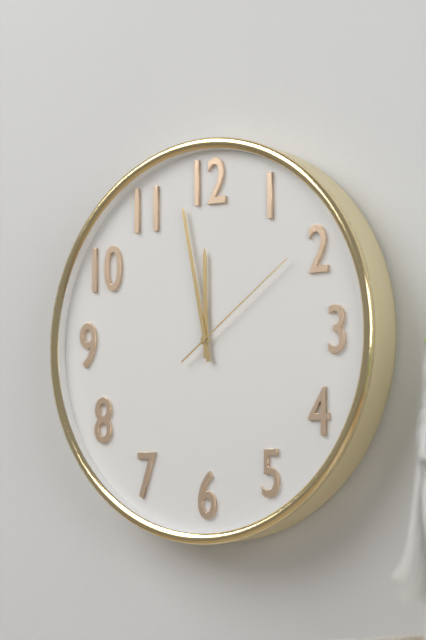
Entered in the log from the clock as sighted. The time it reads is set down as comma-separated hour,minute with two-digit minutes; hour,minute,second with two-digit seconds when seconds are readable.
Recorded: 11,58,09
